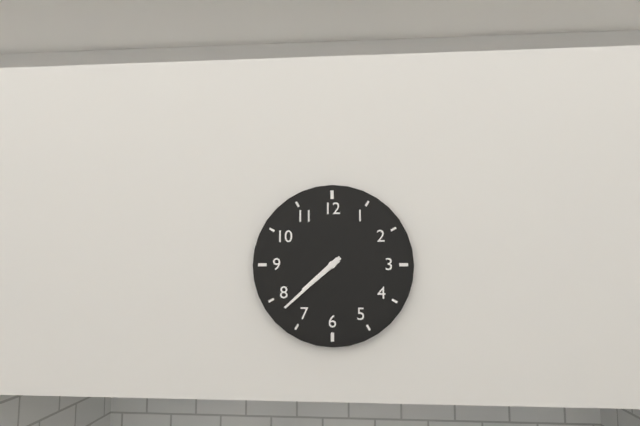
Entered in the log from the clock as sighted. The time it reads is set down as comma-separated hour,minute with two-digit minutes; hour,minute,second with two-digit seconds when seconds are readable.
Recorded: 7,38
